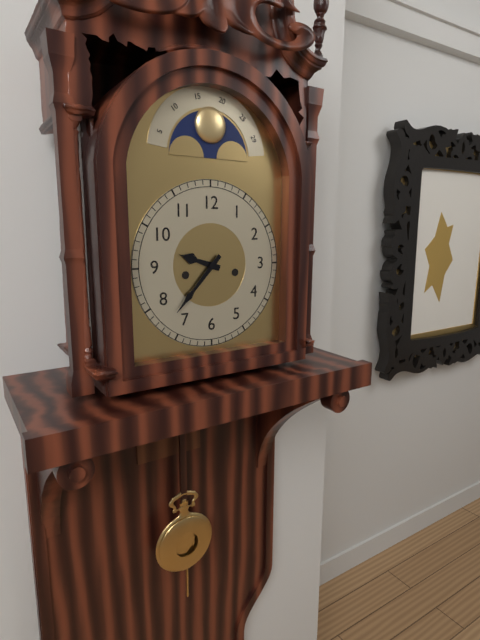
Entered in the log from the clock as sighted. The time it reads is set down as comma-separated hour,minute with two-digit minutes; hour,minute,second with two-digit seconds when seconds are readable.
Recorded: 9,37
